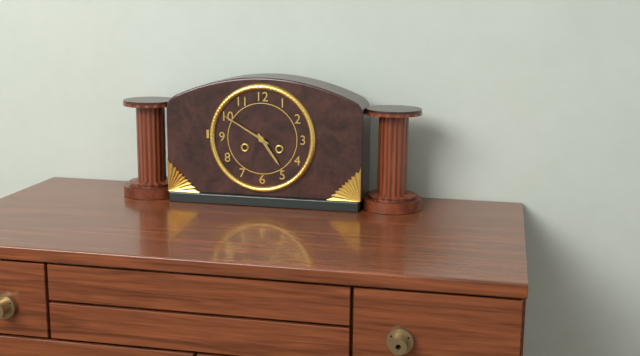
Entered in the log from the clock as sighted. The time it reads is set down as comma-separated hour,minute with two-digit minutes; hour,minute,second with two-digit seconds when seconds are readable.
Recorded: 4,50
